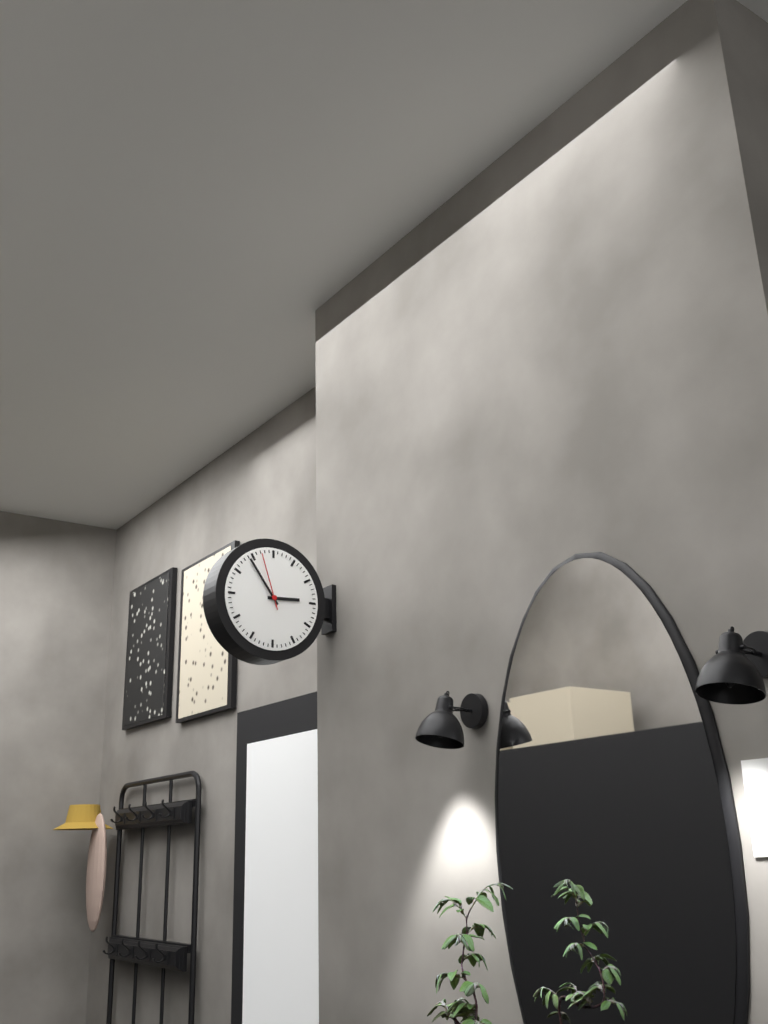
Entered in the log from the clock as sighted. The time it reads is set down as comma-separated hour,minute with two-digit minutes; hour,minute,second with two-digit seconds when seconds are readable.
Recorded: 2,54,57
